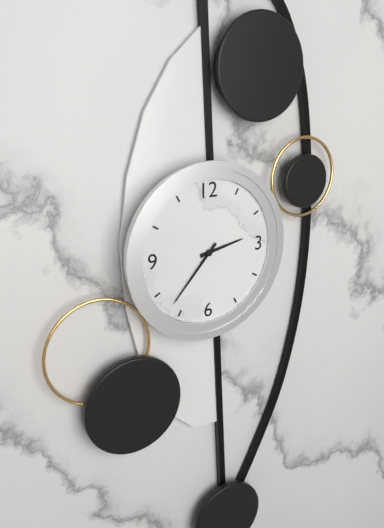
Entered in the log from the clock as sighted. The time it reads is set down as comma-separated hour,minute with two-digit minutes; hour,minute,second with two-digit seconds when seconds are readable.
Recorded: 2,37
